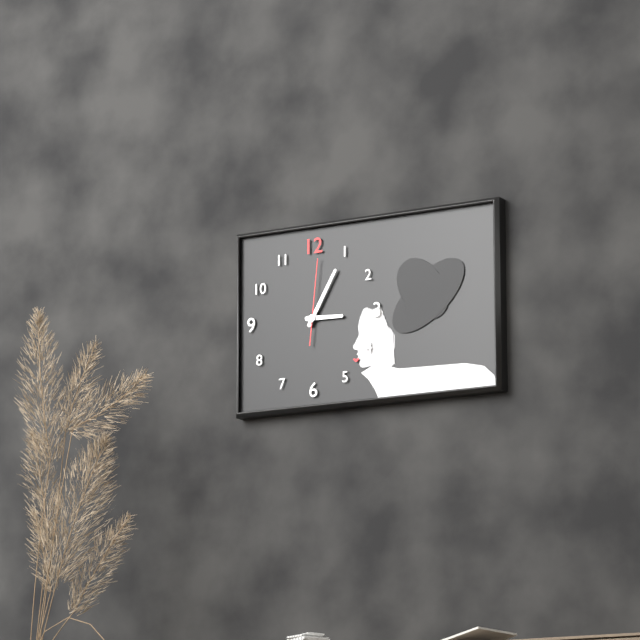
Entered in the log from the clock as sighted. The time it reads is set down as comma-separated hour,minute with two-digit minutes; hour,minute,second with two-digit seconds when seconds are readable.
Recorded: 3,05,01
